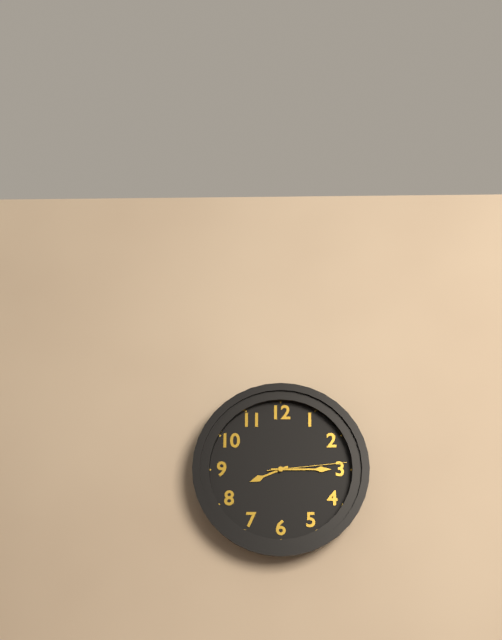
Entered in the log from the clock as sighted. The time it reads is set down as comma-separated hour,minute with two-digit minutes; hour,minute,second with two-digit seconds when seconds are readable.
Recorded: 8,15,14
